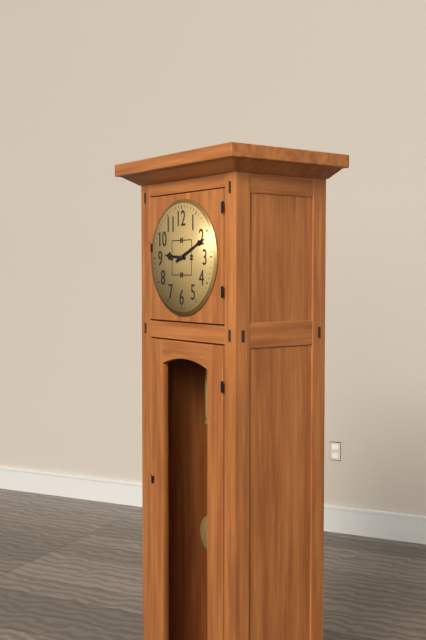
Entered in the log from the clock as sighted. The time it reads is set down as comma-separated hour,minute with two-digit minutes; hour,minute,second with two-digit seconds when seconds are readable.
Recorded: 9,11
